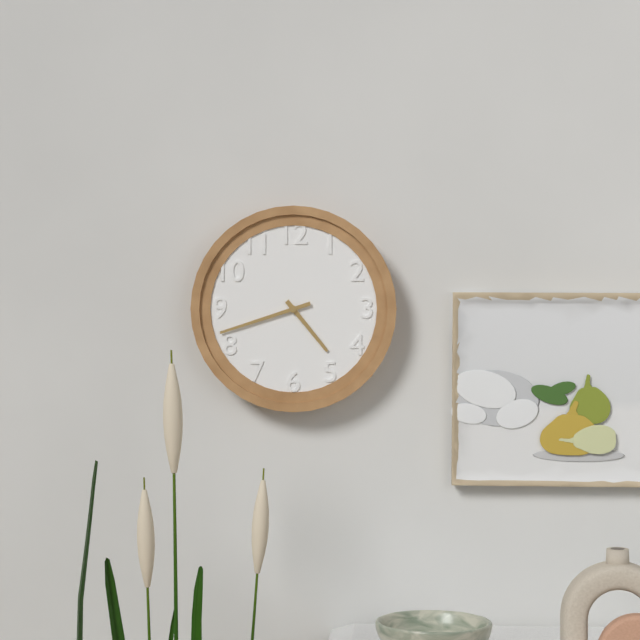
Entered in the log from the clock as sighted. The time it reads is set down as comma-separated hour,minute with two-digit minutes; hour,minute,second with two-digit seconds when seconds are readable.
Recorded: 4,42
